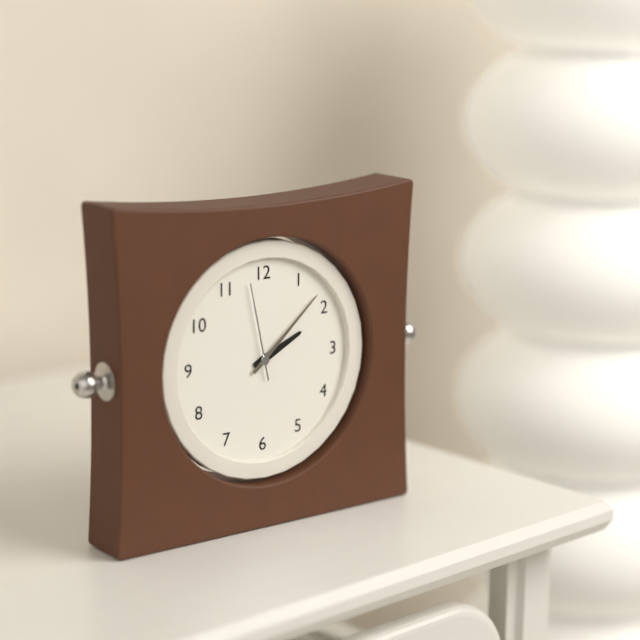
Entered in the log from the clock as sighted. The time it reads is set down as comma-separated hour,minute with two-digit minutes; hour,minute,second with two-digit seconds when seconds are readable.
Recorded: 2,08,58
